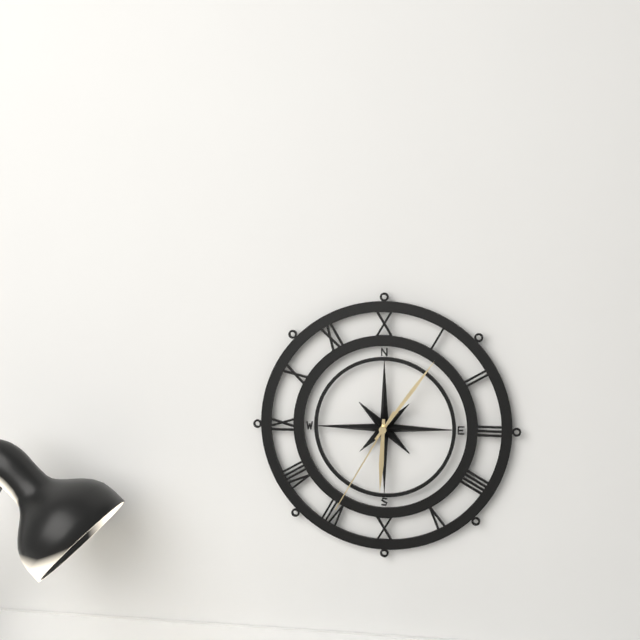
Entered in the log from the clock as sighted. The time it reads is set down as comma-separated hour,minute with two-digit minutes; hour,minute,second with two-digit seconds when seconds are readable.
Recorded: 6,06,35
